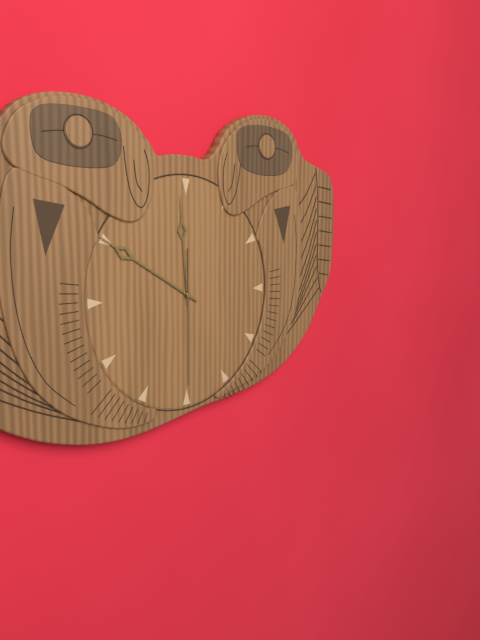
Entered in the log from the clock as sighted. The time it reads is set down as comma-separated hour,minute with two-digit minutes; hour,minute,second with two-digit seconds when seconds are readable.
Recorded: 11,50,30
